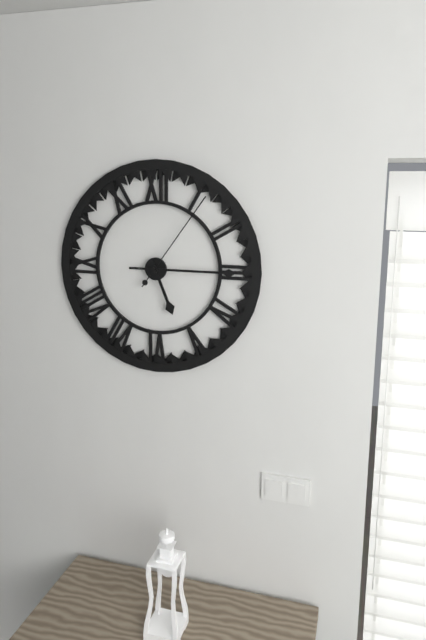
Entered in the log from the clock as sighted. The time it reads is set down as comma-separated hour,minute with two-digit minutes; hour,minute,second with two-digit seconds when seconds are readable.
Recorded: 5,15,06
